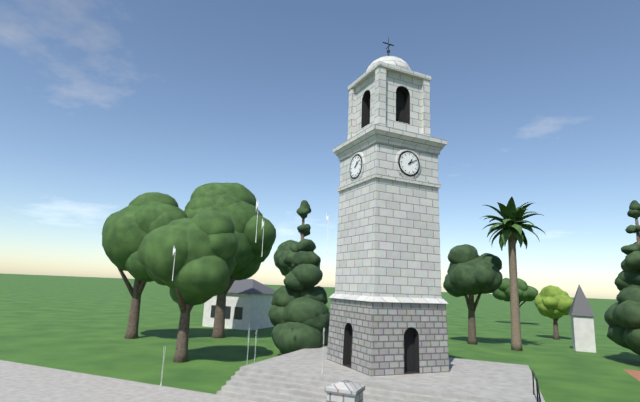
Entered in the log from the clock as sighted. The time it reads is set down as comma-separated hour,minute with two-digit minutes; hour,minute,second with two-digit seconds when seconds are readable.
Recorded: 1,10
